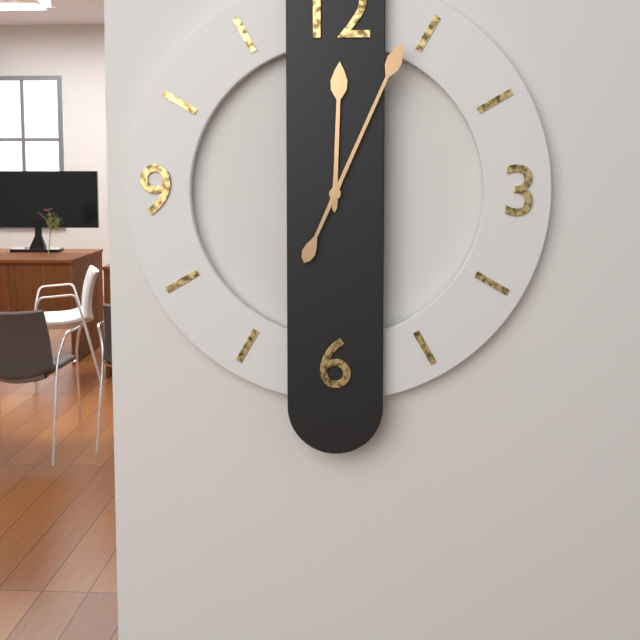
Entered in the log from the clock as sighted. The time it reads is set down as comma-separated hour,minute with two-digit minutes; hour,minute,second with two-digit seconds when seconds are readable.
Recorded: 12,04
